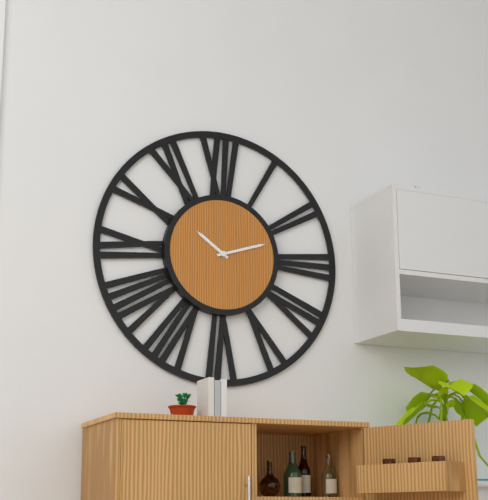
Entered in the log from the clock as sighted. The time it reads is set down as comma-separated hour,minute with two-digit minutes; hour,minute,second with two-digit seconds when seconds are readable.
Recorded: 10,12
